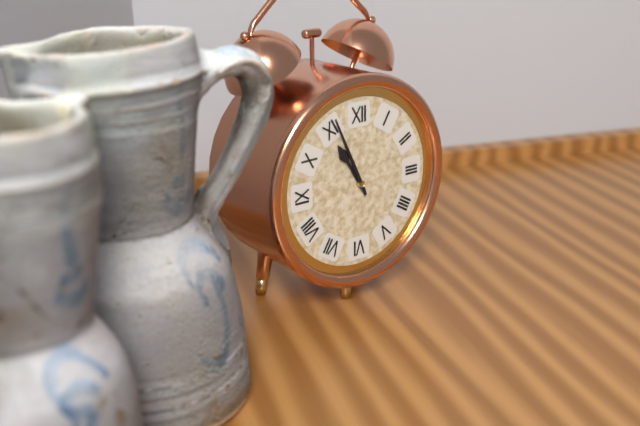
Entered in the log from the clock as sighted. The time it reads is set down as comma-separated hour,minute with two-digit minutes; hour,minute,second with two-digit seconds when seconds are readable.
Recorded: 10,56
